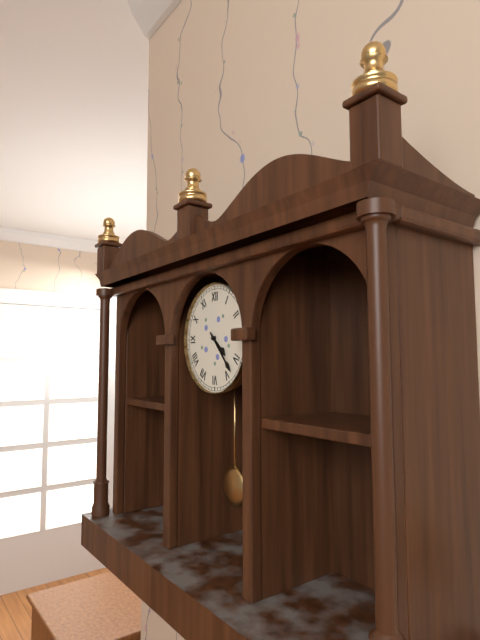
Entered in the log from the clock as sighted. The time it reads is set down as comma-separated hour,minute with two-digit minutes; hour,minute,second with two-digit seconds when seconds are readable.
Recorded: 4,23
